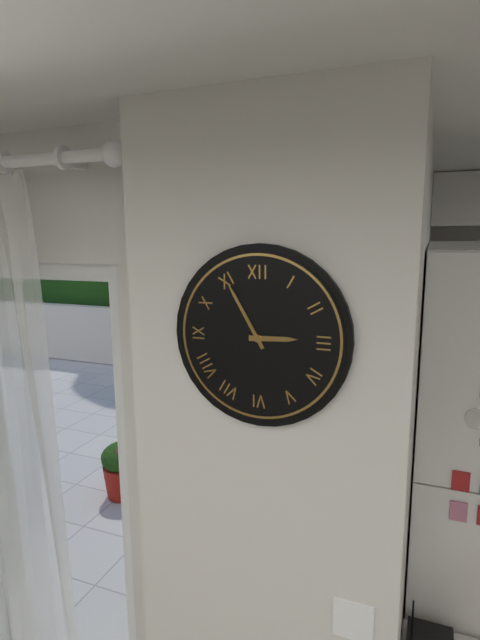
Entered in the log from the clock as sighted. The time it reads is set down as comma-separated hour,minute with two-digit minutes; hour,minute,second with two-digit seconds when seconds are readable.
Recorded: 2,55
